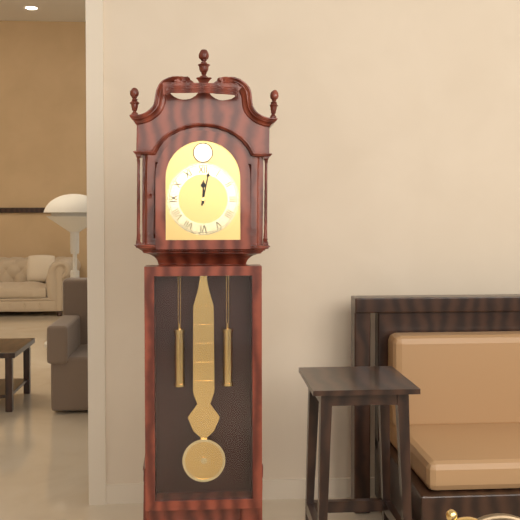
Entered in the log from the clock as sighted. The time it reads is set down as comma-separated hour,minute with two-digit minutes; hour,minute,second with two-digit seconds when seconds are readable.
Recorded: 12,02
